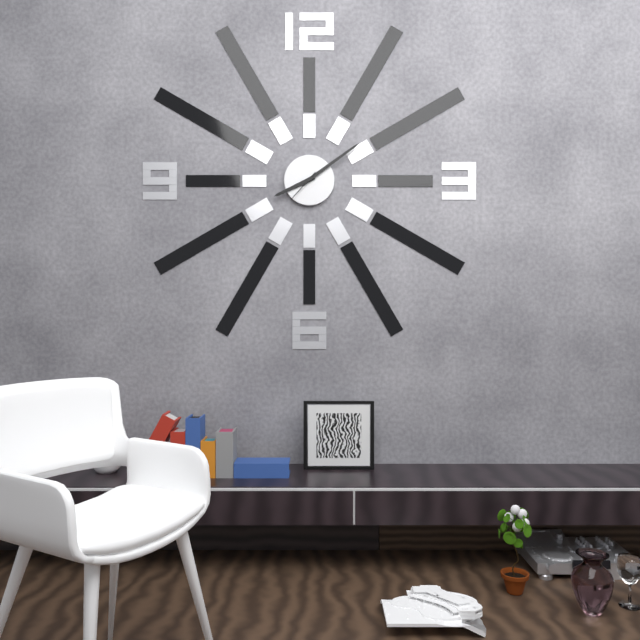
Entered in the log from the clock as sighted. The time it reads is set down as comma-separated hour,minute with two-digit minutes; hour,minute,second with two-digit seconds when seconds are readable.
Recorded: 8,09
